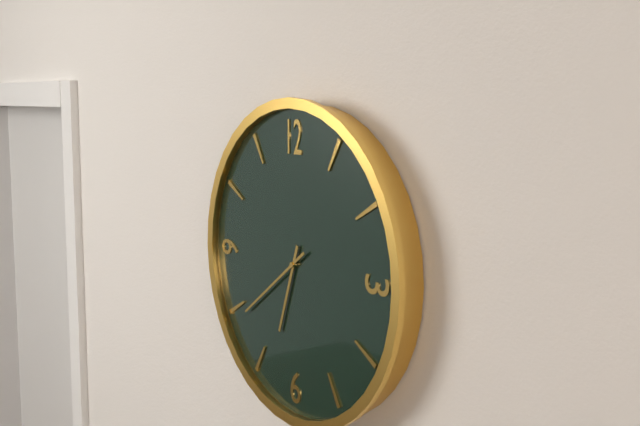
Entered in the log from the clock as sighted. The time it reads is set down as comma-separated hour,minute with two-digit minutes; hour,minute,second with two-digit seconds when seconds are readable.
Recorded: 6,39
